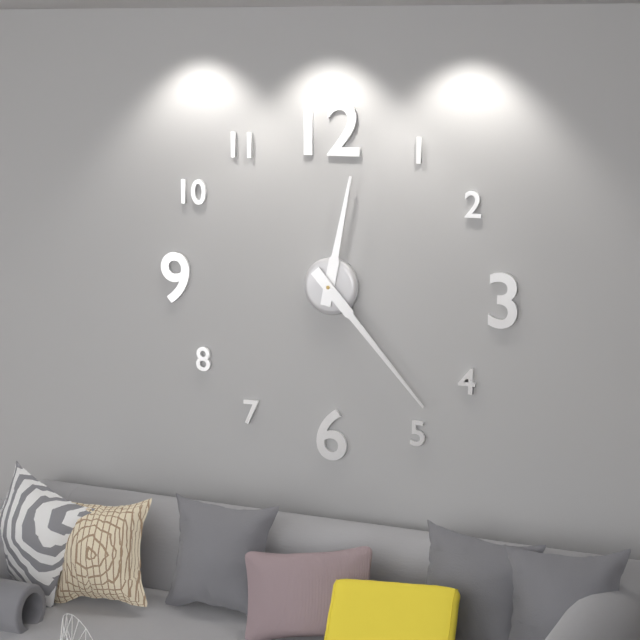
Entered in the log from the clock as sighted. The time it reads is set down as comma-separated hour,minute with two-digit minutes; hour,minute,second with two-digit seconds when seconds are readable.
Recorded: 12,23
